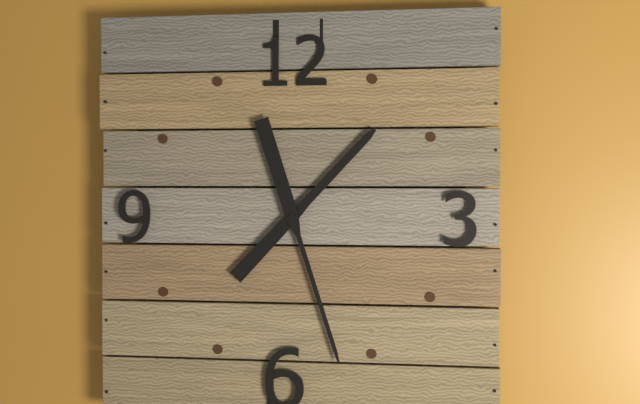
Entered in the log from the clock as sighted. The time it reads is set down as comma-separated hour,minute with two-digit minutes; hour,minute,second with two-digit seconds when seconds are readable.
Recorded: 1,27
